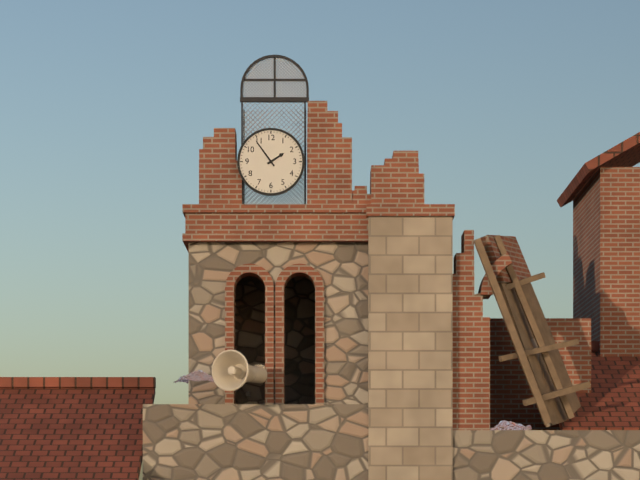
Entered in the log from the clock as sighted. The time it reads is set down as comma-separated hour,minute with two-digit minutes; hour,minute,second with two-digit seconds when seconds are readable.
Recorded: 1,54
